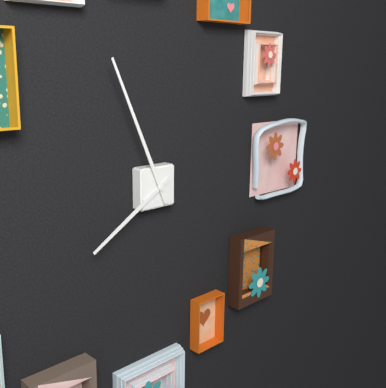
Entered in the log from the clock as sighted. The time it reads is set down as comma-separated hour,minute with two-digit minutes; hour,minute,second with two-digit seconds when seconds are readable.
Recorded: 7,56
